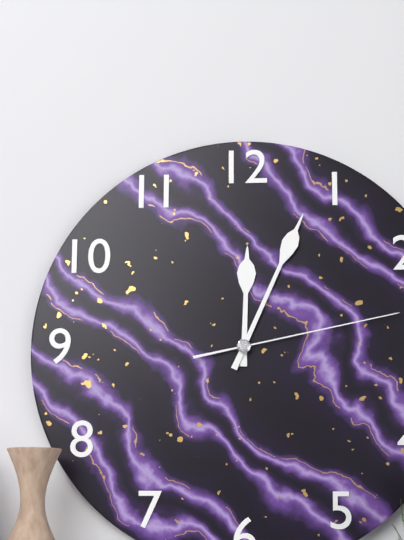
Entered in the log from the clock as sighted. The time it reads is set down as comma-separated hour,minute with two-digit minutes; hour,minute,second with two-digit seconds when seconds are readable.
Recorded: 12,04,13
